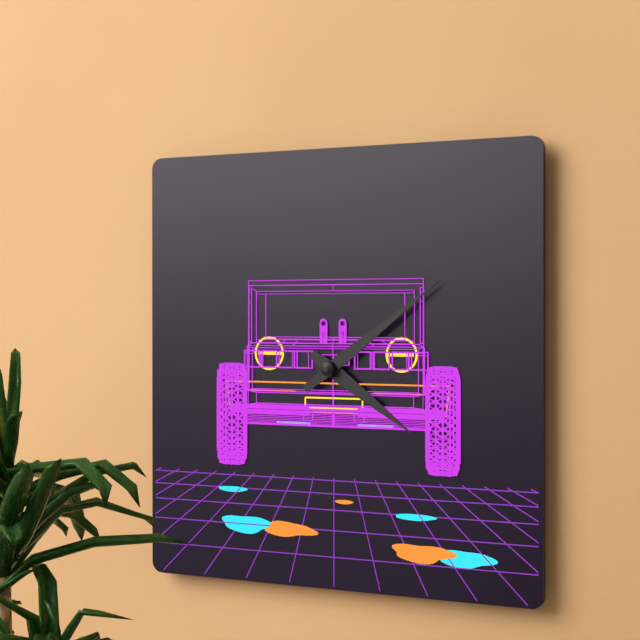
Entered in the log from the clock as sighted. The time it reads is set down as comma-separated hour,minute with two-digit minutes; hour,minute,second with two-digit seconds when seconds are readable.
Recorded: 4,09
